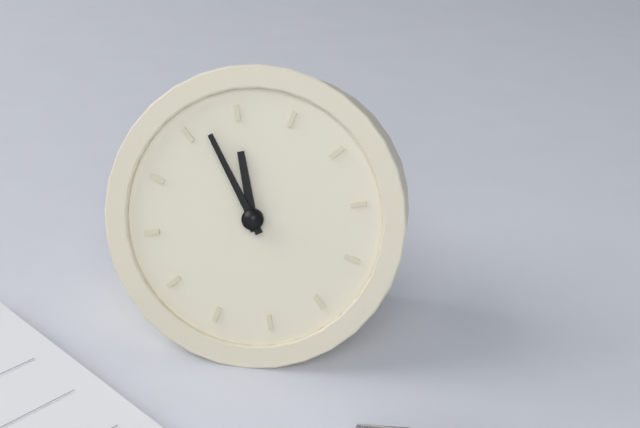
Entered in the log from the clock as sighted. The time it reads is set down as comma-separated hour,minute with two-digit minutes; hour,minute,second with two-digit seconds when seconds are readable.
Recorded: 11,57
